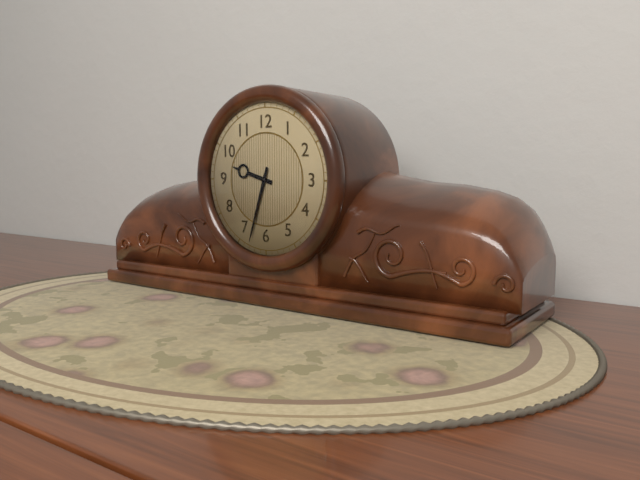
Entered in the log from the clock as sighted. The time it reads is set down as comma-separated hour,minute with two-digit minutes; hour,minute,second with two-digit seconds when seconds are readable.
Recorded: 9,33
